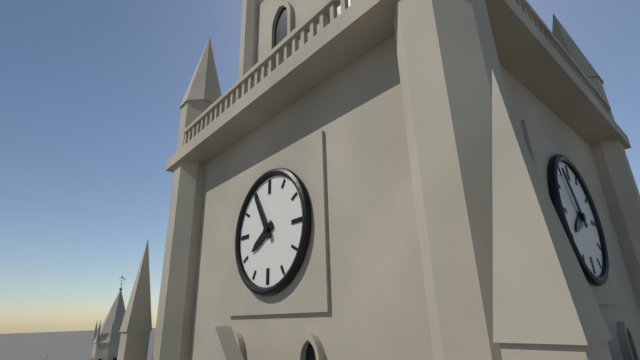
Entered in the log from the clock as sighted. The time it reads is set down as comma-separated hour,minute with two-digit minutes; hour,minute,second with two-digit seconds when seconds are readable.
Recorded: 7,55
